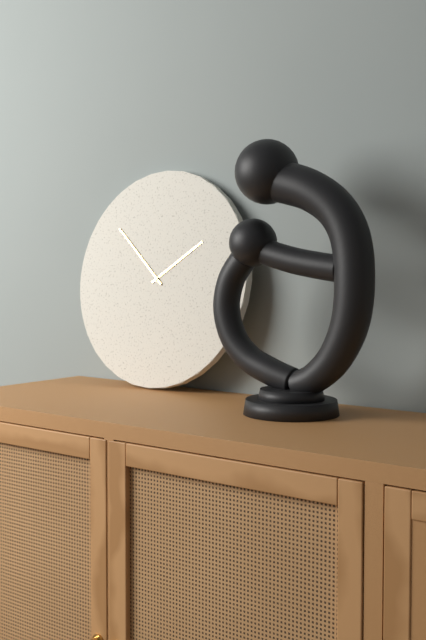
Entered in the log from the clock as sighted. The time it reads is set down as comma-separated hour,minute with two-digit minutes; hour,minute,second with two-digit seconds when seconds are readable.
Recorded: 1,52
